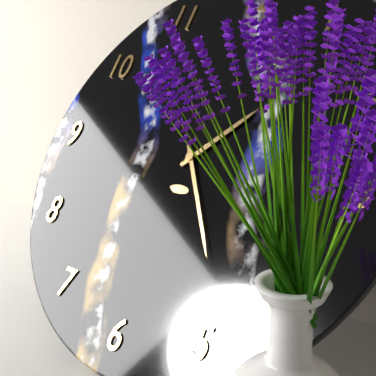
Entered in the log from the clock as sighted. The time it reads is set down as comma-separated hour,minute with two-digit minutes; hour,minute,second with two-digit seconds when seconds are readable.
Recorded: 1,24
